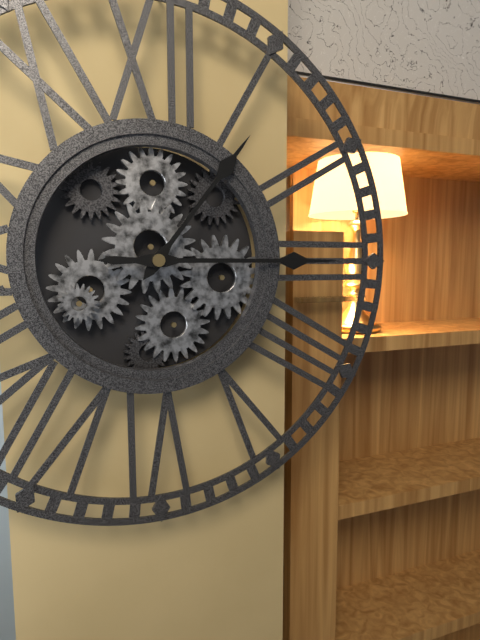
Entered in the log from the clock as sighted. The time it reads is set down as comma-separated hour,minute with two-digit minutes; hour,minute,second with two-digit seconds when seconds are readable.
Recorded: 1,15
